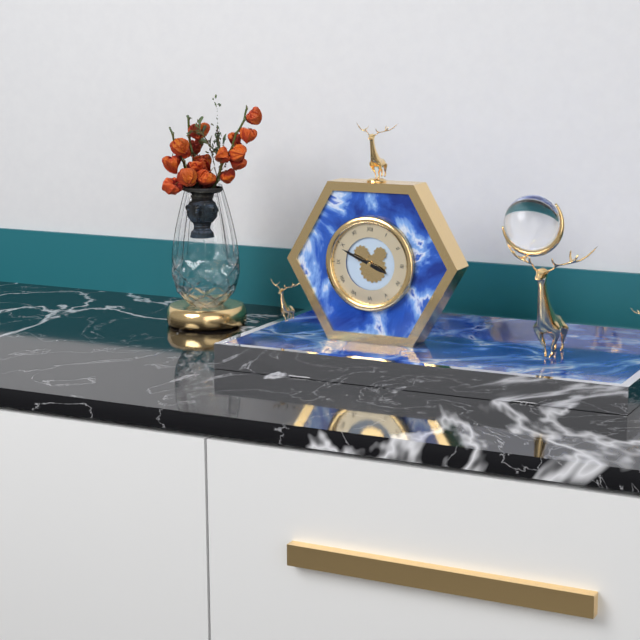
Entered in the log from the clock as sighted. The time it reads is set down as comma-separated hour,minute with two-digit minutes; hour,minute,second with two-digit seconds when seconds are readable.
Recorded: 3,49
